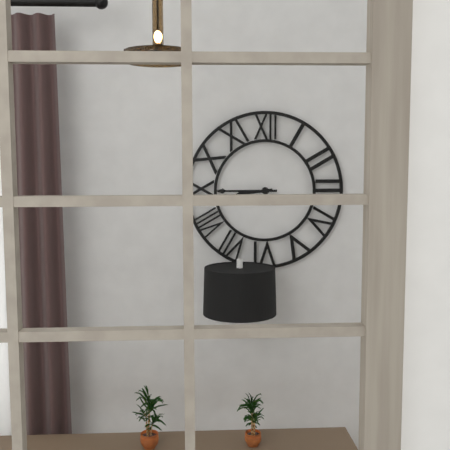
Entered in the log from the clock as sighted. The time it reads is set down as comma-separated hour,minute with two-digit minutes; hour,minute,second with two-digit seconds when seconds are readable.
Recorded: 8,45
